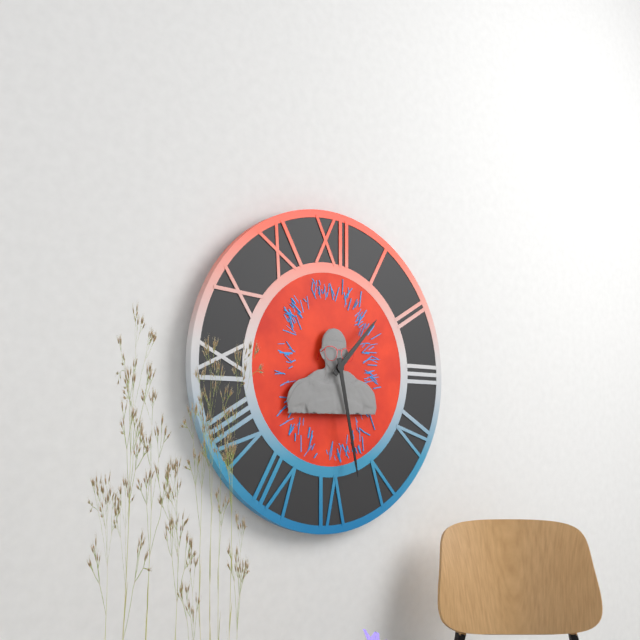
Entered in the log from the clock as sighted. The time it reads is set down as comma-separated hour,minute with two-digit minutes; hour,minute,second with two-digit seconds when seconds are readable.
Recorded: 1,28
